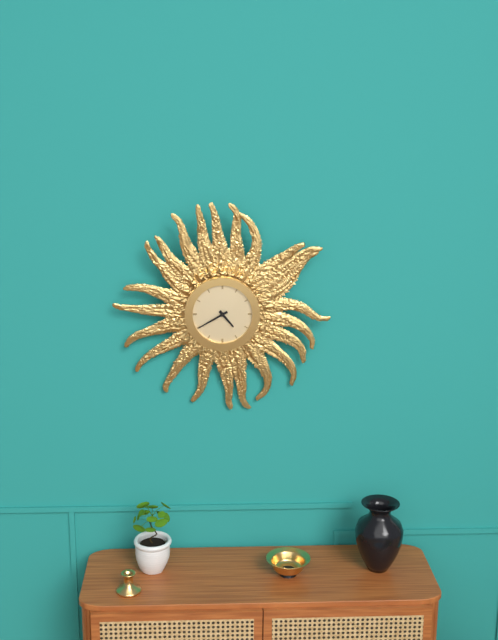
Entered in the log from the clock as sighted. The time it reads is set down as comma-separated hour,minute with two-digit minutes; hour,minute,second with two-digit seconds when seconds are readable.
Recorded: 4,40
